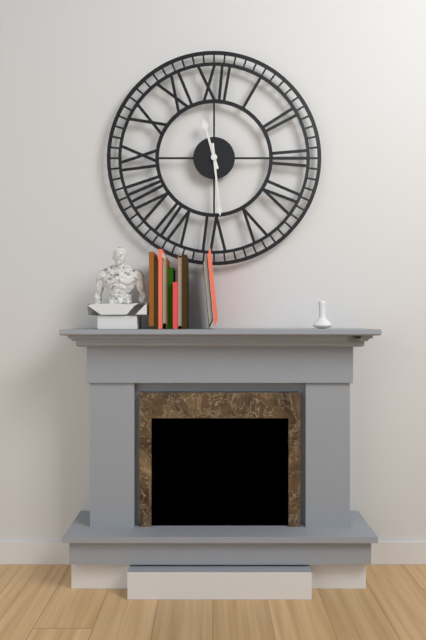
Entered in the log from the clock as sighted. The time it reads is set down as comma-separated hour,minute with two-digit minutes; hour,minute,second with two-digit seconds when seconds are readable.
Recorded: 11,29
